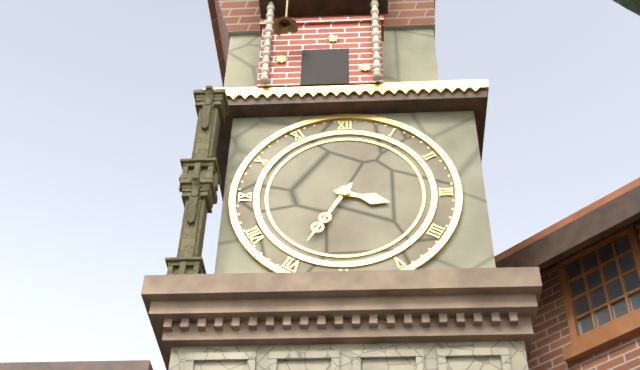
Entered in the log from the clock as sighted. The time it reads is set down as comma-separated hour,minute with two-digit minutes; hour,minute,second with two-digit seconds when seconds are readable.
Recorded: 3,35
